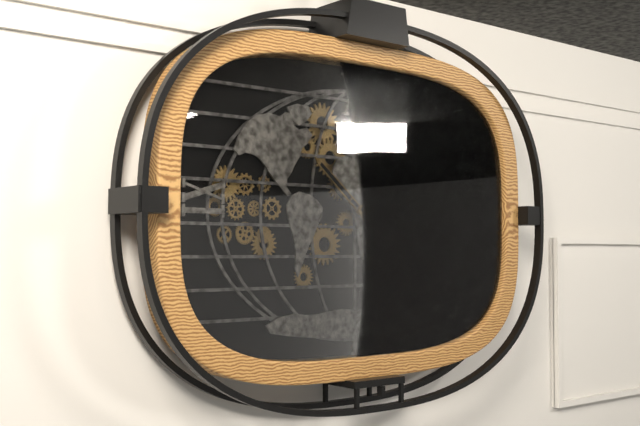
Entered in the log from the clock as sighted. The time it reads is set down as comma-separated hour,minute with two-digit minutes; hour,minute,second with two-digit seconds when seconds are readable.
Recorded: 10,21
